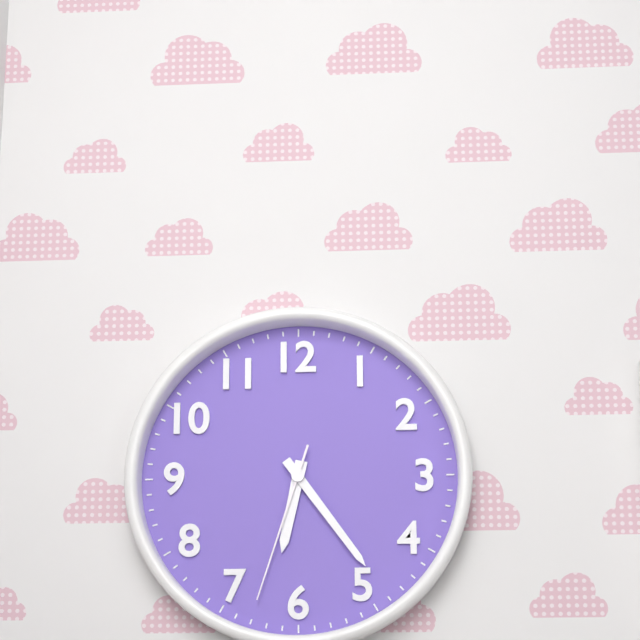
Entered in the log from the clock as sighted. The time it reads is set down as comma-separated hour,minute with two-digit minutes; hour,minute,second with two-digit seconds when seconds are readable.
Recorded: 6,24,33
